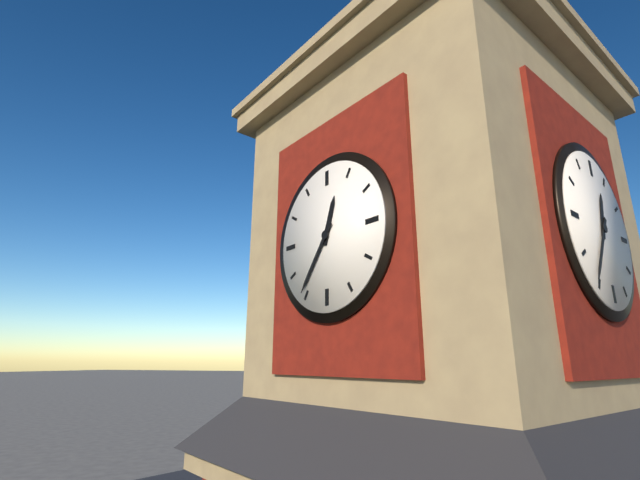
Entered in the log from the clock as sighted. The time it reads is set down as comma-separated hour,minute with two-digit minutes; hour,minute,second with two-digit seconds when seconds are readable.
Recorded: 12,36
